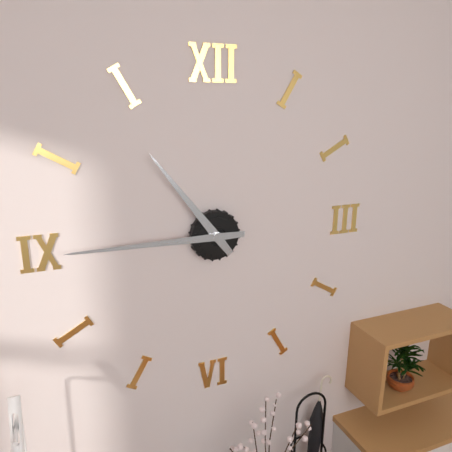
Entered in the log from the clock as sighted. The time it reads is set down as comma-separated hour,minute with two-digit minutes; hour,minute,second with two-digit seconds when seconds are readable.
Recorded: 10,45
